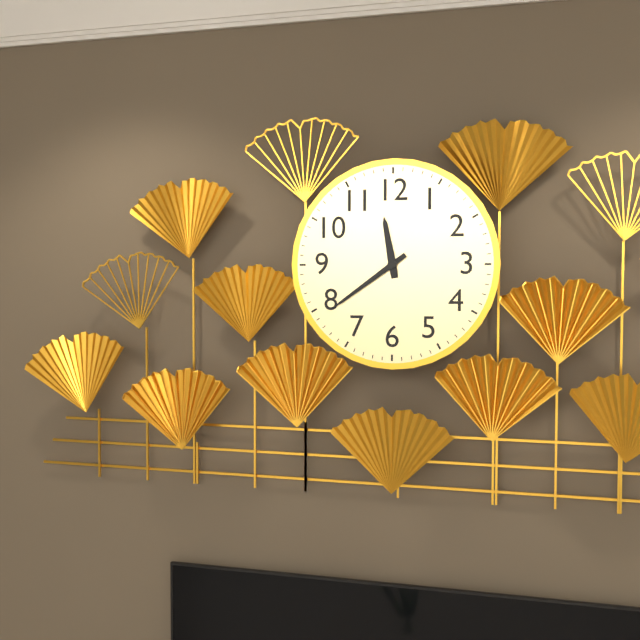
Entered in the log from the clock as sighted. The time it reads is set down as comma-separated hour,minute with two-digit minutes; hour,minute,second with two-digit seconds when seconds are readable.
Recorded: 11,39
